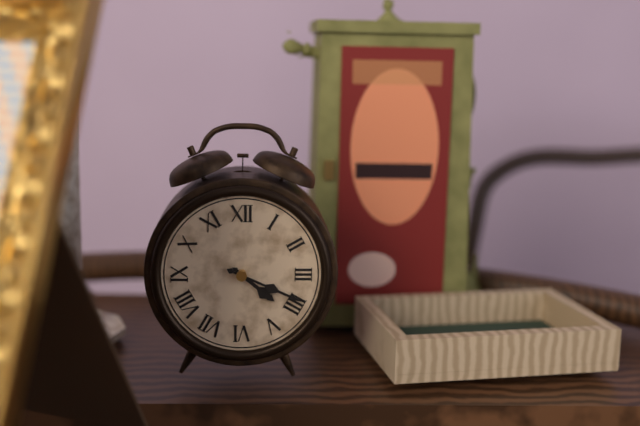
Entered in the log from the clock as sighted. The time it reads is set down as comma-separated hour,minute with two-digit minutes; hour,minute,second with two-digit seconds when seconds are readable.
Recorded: 4,19
